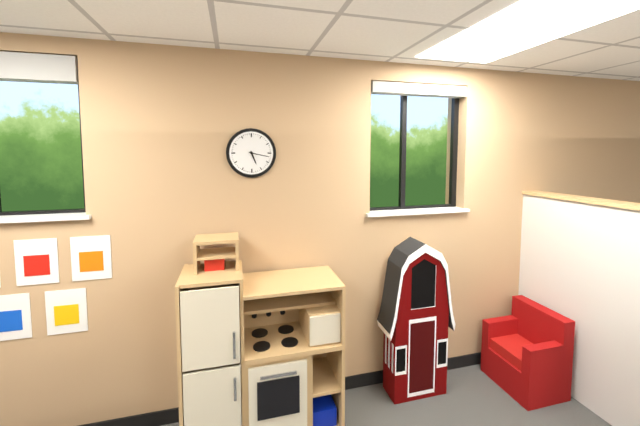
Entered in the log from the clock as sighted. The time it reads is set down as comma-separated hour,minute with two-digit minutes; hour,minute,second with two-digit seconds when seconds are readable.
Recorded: 5,17
